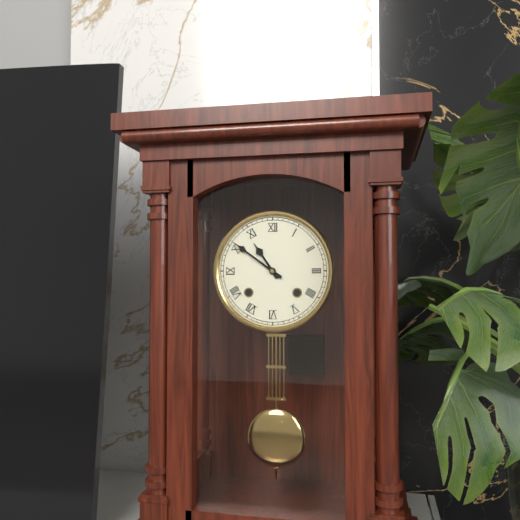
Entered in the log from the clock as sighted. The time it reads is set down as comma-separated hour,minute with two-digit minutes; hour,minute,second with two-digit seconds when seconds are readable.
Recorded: 10,51
